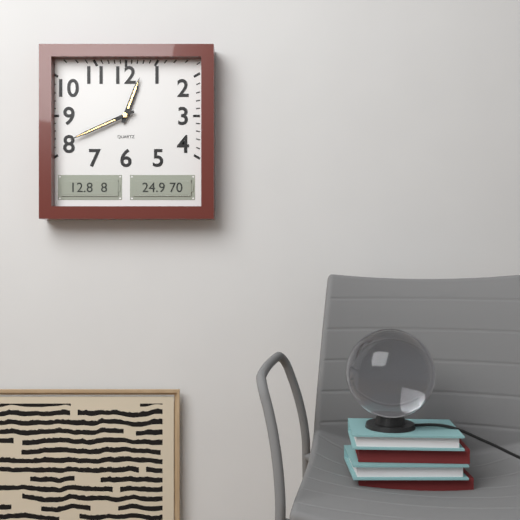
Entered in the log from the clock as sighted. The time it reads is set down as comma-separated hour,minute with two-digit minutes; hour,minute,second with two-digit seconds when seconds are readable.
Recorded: 12,41
